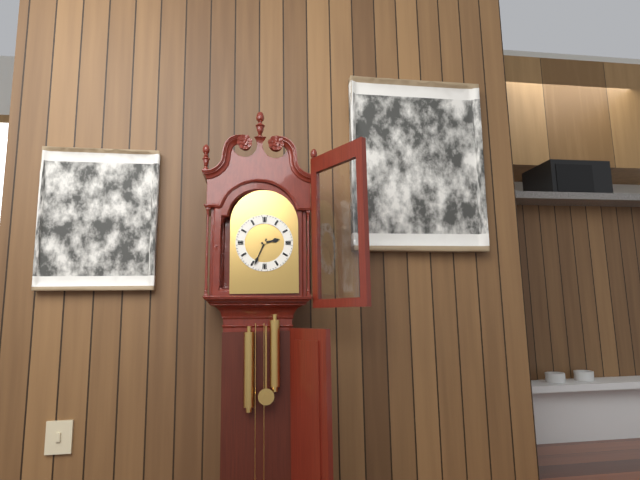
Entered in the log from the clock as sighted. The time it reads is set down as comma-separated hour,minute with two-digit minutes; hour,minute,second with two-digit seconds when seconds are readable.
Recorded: 2,34
